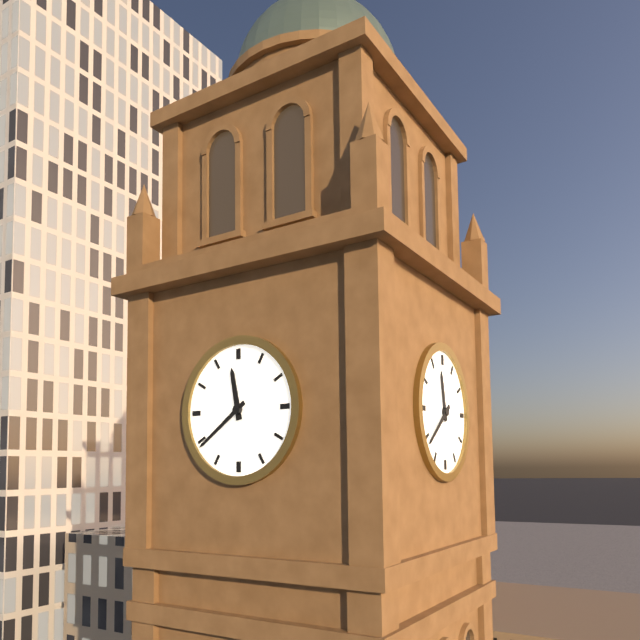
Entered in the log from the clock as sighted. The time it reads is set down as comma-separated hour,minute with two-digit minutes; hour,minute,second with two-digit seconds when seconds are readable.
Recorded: 11,39
